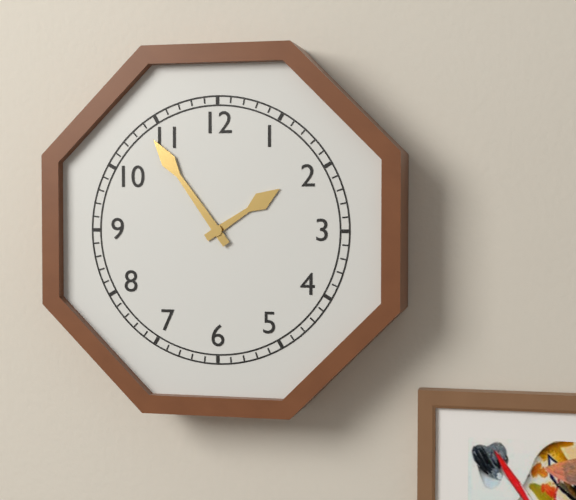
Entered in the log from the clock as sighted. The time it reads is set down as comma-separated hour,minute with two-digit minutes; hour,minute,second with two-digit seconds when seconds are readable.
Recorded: 1,54
